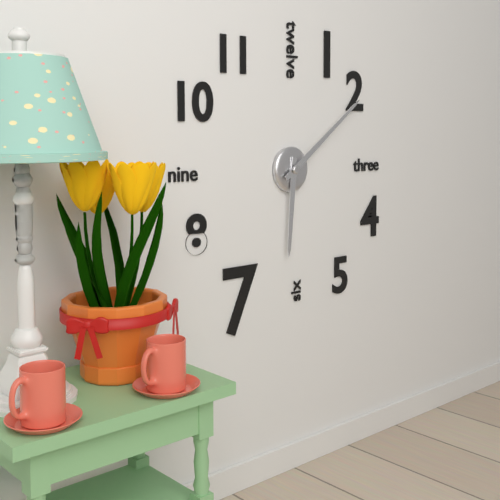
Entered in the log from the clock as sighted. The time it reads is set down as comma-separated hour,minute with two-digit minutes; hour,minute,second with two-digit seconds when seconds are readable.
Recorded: 6,09
